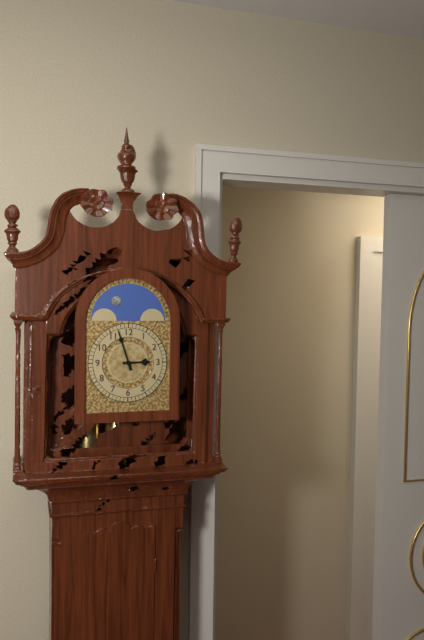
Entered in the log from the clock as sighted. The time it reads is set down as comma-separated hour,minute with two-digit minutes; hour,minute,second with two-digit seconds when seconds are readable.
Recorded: 2,57
